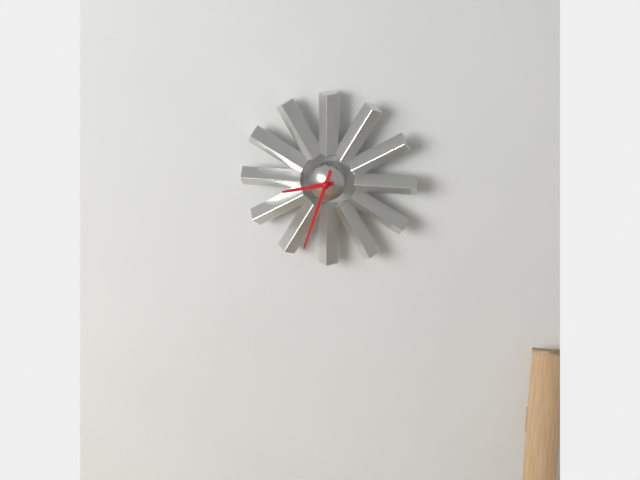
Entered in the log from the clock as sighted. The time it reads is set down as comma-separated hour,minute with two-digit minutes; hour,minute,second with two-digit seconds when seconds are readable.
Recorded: 8,33
